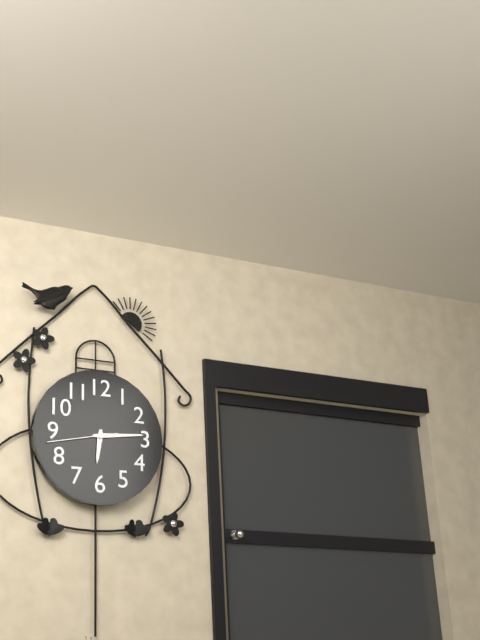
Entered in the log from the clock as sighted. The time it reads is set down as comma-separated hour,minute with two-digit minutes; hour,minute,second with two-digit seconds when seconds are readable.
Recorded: 6,14,43
